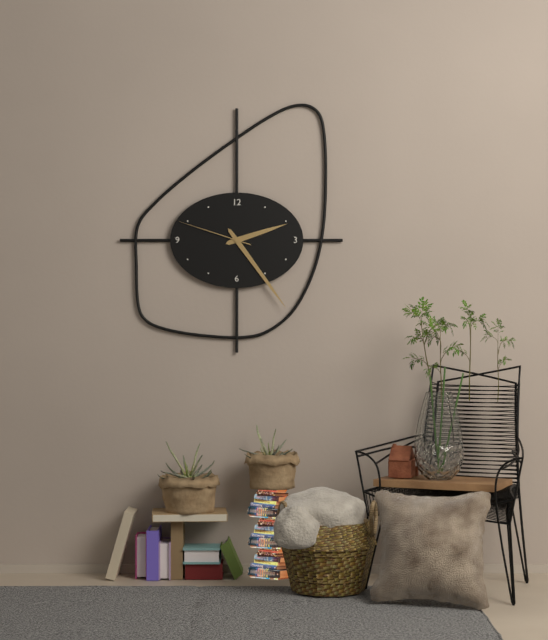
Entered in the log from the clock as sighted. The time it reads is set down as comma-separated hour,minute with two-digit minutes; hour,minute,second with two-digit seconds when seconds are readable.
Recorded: 2,24,48
